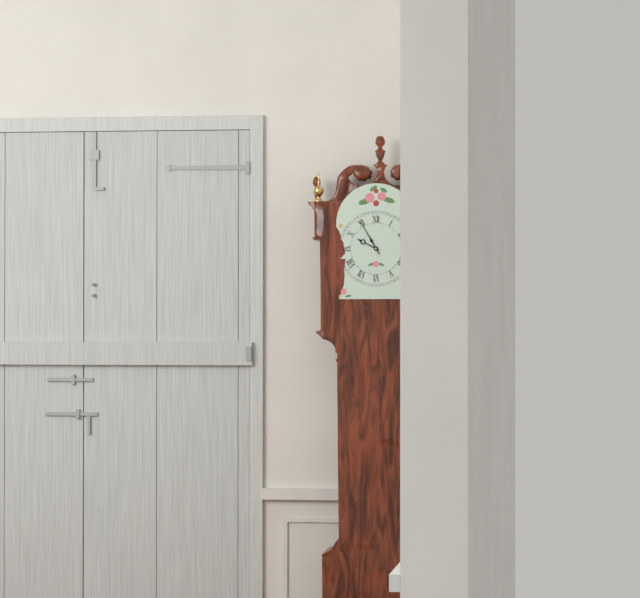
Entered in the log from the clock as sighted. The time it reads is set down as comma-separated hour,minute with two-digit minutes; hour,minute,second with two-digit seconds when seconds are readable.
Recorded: 9,55
